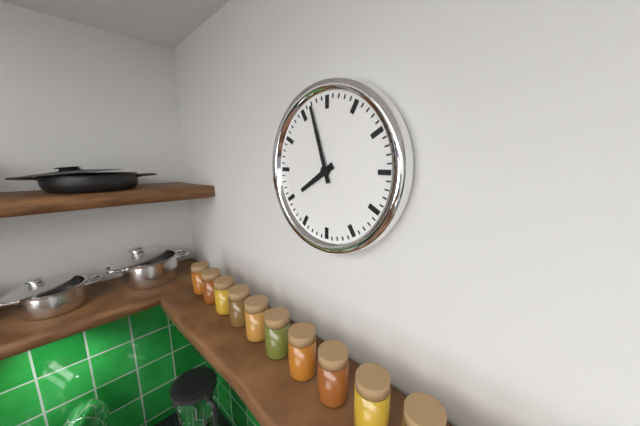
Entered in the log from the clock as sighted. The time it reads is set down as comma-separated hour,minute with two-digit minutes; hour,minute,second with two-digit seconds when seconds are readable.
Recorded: 7,57
